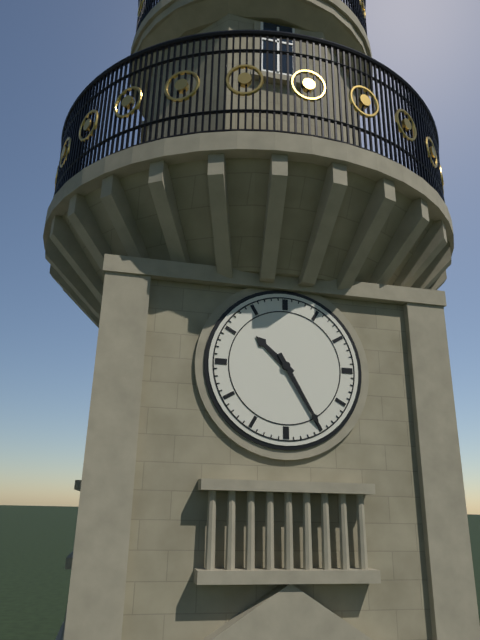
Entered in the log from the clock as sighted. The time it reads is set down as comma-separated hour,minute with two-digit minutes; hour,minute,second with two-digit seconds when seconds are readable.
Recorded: 10,25
